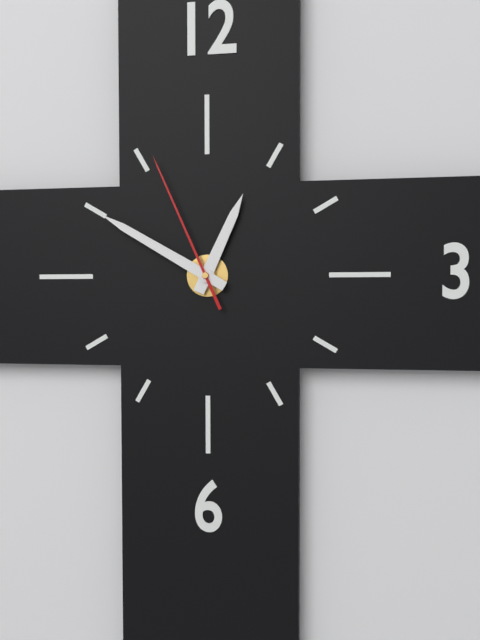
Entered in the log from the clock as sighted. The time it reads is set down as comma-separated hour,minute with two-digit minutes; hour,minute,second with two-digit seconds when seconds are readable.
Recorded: 12,50,56
